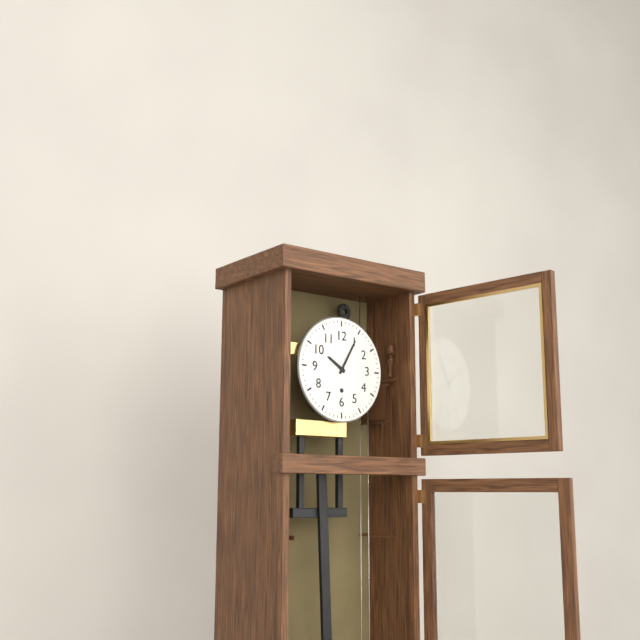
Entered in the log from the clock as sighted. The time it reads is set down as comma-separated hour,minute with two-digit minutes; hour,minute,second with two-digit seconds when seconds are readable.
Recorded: 10,05
